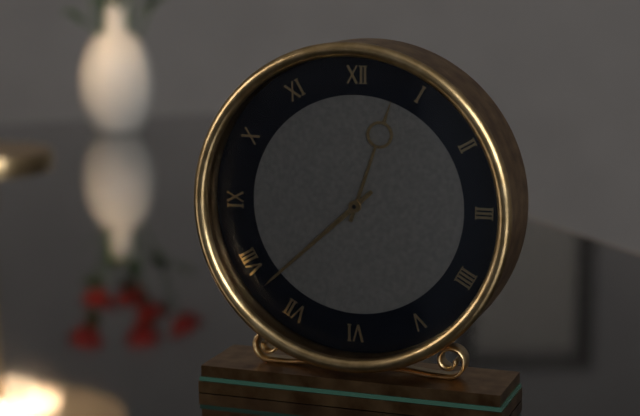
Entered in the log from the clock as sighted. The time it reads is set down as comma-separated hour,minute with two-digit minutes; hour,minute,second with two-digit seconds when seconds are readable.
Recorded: 12,38
